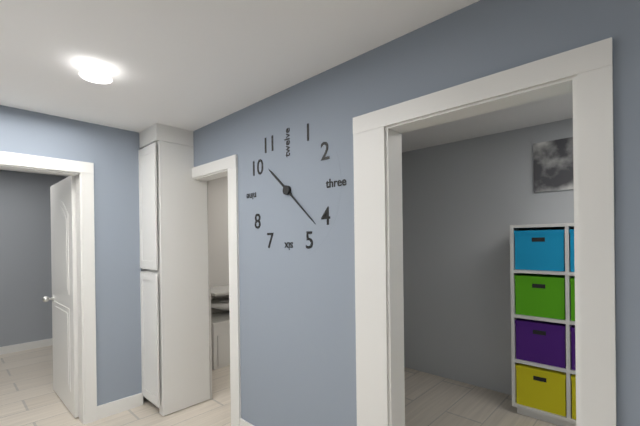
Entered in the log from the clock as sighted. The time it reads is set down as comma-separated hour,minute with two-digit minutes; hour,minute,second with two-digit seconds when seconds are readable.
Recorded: 10,22
